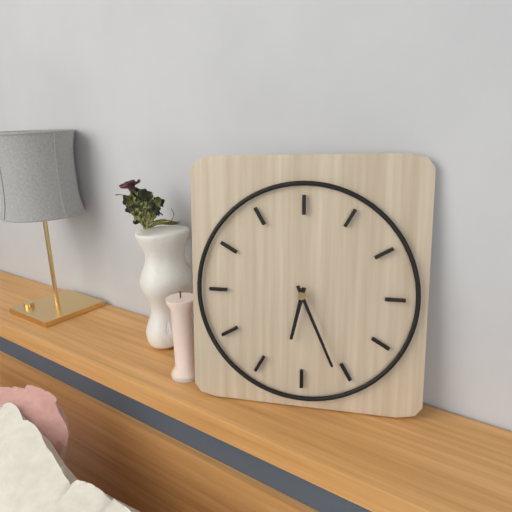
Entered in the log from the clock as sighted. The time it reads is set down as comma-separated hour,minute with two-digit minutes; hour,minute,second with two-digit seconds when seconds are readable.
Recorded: 6,26
